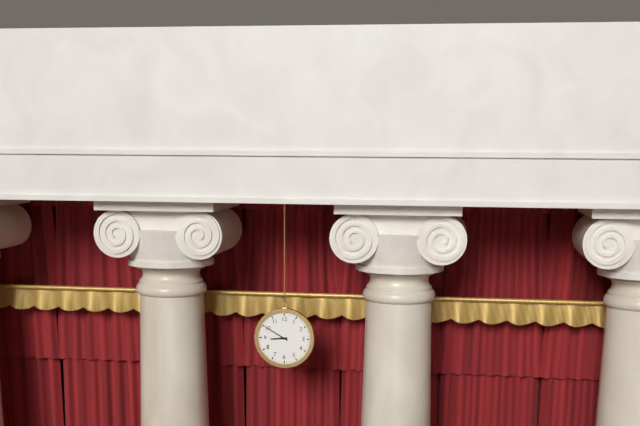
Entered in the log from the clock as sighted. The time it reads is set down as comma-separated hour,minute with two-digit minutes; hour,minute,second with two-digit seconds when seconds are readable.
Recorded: 8,50
